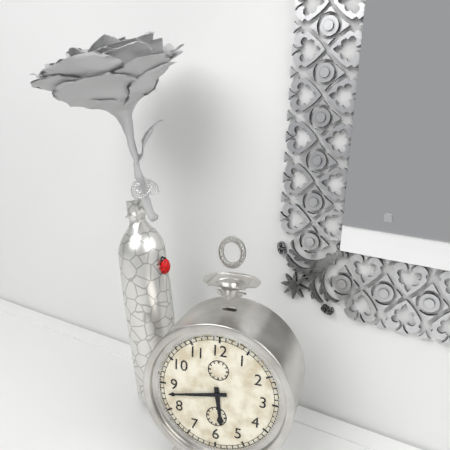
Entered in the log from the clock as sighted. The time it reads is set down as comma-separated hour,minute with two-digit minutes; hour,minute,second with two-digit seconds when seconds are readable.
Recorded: 5,43
